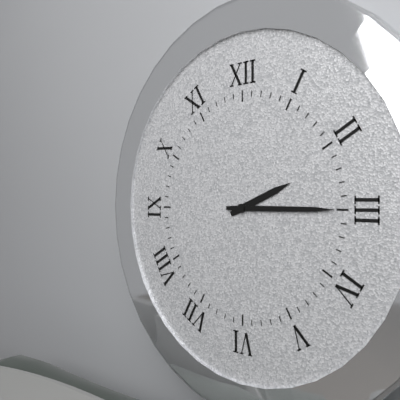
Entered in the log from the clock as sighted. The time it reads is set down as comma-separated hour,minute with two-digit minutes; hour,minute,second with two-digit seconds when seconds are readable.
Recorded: 2,15
